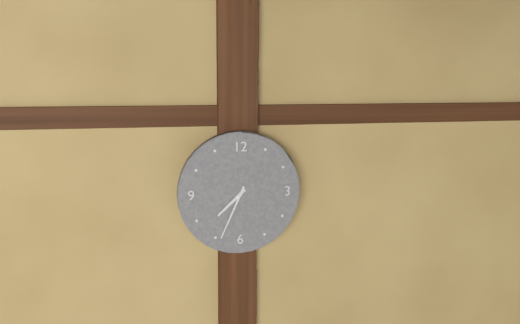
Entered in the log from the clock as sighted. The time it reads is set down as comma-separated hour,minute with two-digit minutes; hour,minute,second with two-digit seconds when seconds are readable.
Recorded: 7,34
